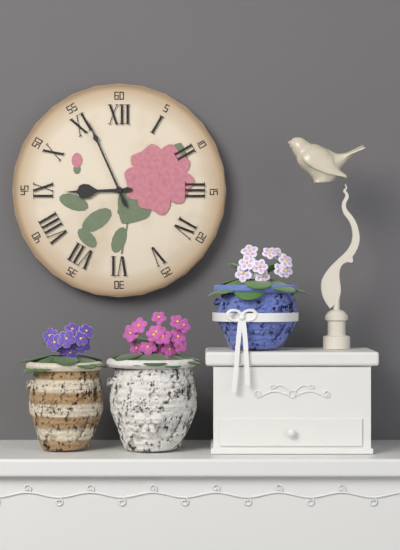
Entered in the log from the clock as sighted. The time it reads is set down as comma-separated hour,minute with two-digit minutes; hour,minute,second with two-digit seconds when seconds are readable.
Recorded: 8,56
